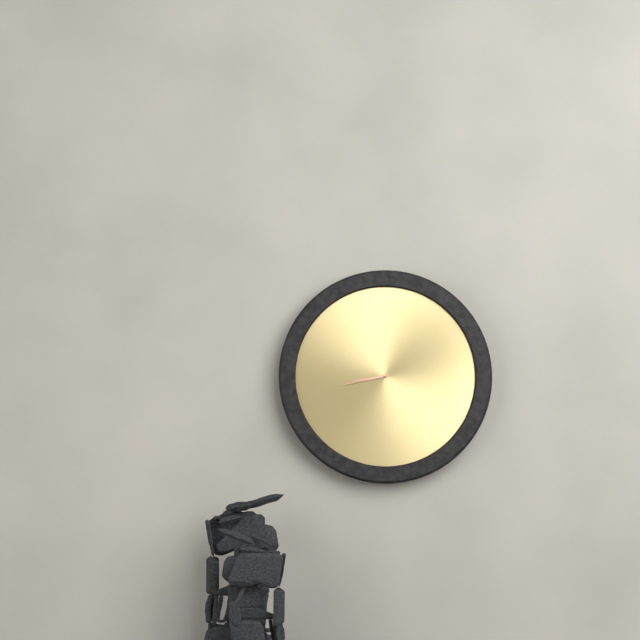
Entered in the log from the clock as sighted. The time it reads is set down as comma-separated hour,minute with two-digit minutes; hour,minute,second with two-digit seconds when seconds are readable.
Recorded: 8,43
